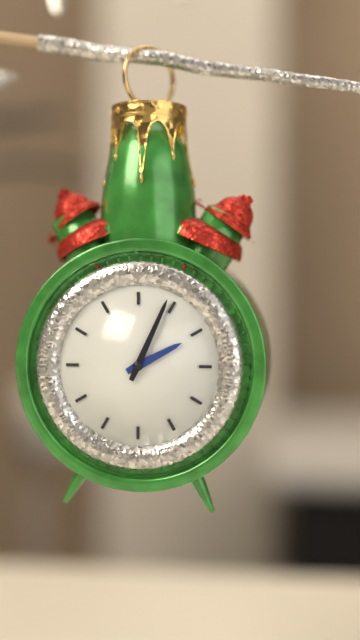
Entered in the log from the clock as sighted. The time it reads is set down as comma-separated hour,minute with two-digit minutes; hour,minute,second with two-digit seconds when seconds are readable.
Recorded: 2,04
